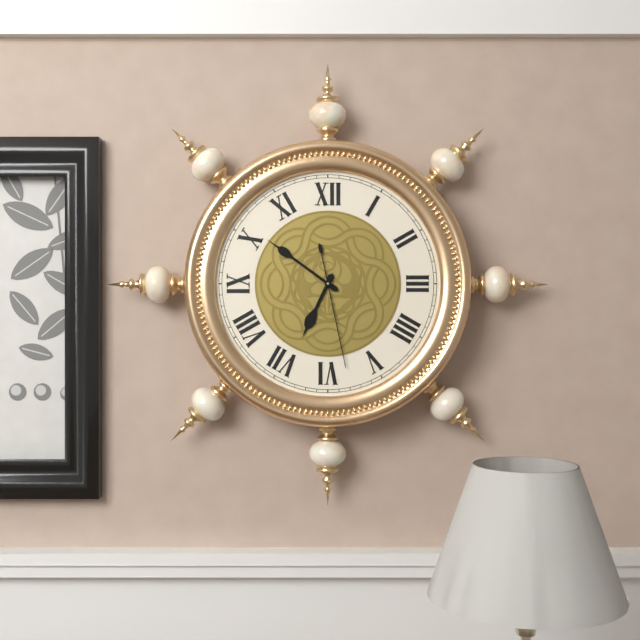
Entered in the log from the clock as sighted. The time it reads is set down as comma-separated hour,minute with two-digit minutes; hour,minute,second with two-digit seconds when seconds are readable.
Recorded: 6,51,28
